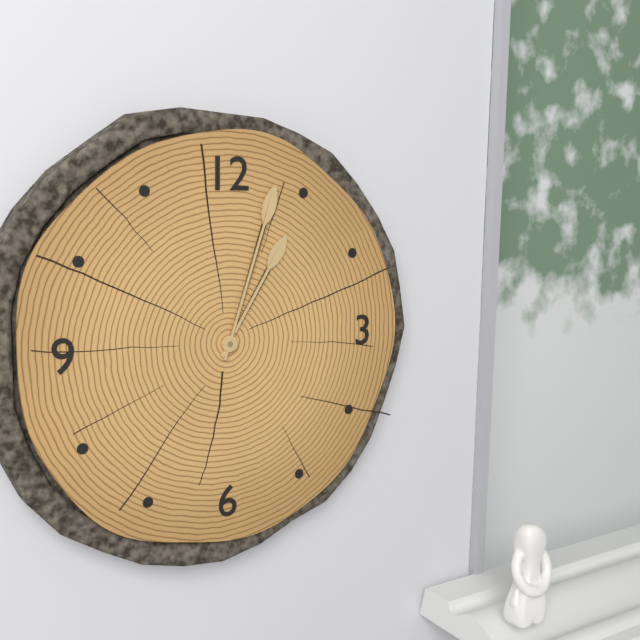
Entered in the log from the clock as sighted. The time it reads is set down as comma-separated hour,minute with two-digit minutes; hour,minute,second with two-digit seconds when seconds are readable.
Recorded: 1,03
